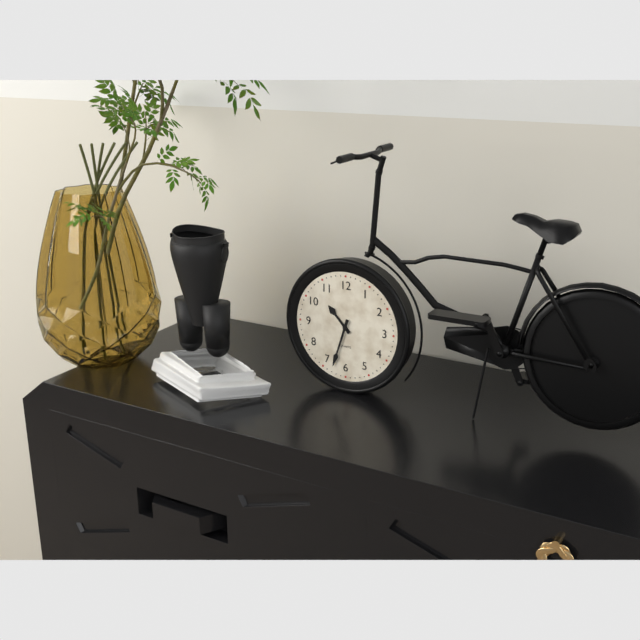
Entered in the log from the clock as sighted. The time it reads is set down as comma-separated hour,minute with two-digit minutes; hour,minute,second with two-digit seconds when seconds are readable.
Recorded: 10,33
